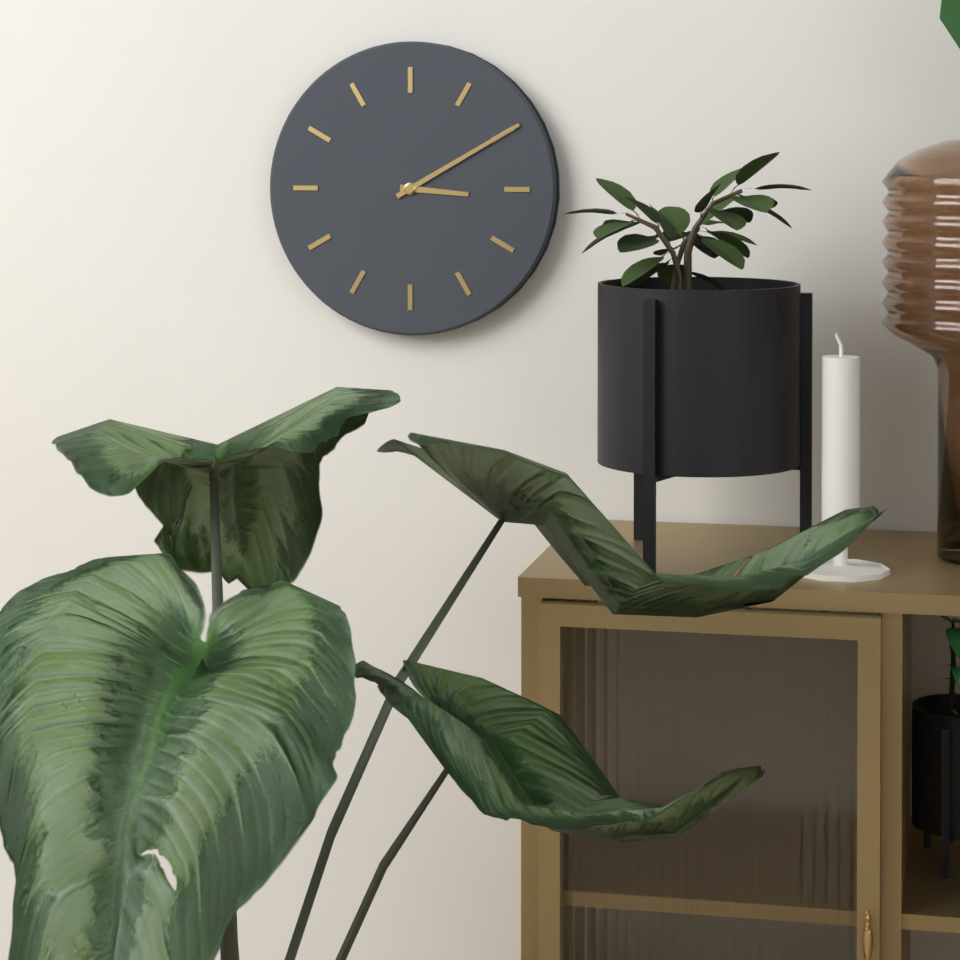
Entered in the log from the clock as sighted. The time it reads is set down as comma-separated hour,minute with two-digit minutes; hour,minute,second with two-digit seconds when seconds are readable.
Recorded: 3,10
